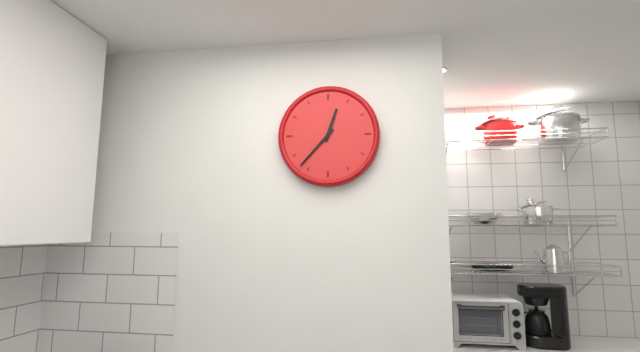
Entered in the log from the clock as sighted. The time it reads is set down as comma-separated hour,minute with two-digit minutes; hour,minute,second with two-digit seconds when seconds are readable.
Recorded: 12,37
